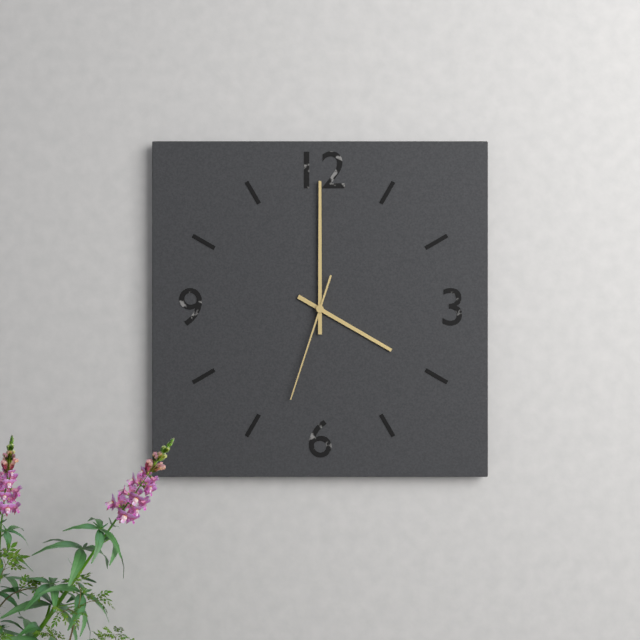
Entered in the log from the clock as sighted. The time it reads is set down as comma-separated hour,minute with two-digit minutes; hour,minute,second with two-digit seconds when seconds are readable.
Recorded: 4,00,33
